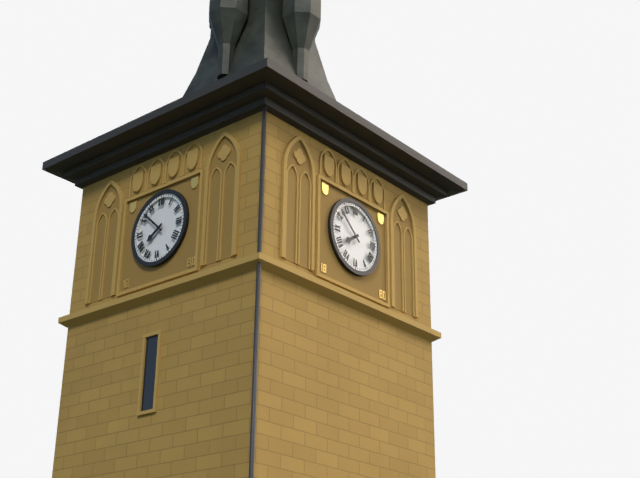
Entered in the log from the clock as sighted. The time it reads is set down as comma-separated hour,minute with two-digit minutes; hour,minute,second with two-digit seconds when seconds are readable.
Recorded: 7,52
